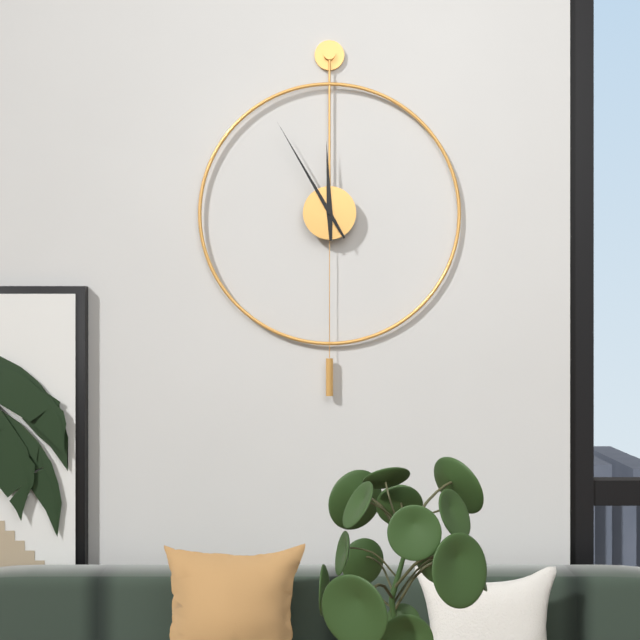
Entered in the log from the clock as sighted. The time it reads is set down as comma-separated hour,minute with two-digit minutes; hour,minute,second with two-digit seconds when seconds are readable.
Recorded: 11,55
